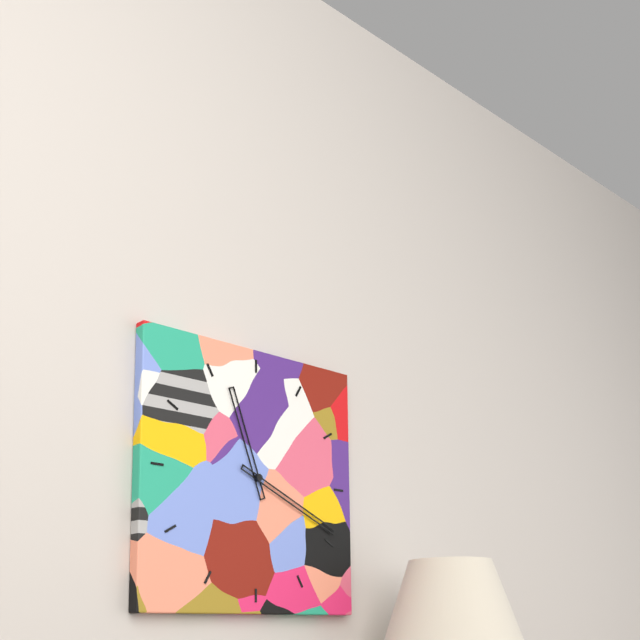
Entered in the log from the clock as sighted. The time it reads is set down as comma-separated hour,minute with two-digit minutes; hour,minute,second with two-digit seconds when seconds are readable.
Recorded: 11,19
